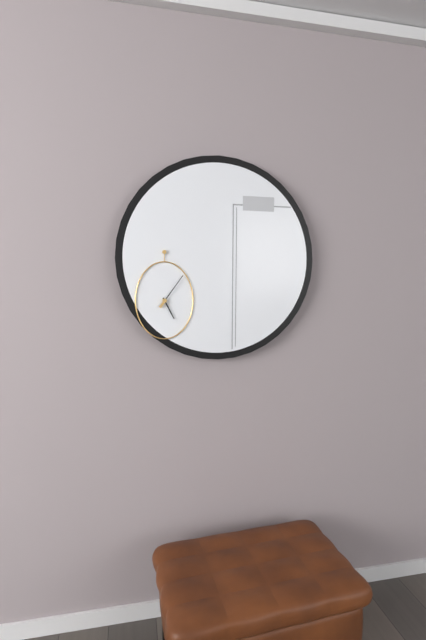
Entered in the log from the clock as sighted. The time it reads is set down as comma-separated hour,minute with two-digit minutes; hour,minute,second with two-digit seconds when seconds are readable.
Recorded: 5,06
